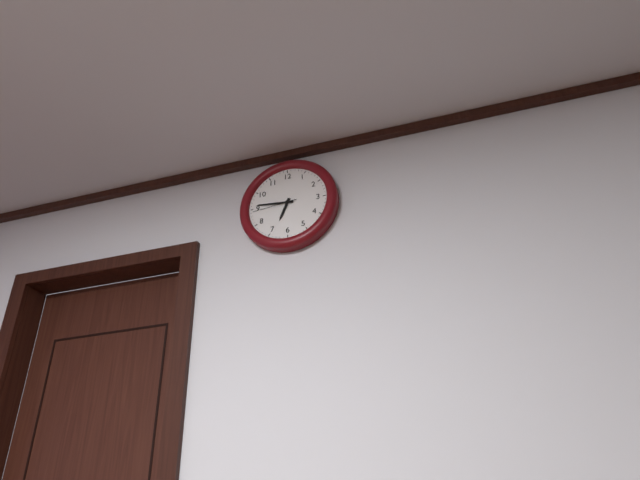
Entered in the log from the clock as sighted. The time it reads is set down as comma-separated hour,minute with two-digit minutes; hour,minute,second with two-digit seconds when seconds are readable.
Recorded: 6,46
